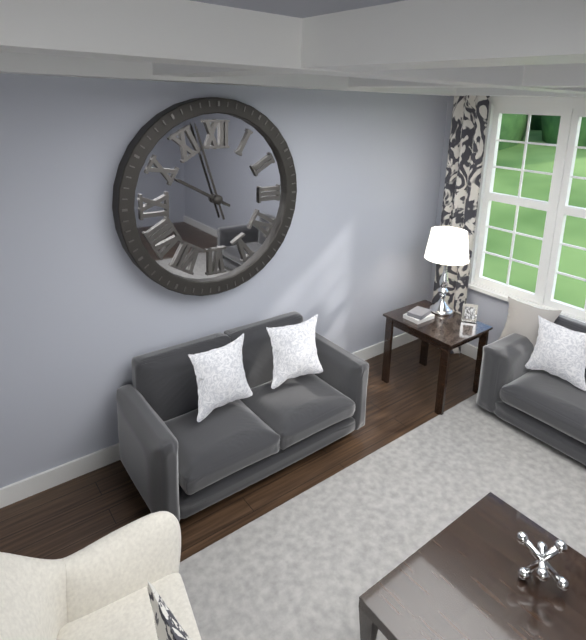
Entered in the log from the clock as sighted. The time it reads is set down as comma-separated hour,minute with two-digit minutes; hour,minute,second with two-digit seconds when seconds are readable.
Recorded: 9,57
